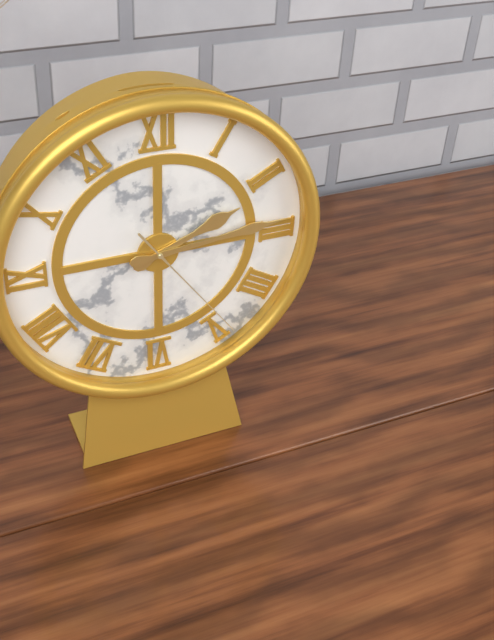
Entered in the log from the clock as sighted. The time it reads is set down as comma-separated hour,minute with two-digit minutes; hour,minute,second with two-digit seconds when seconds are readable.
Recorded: 2,14,24
